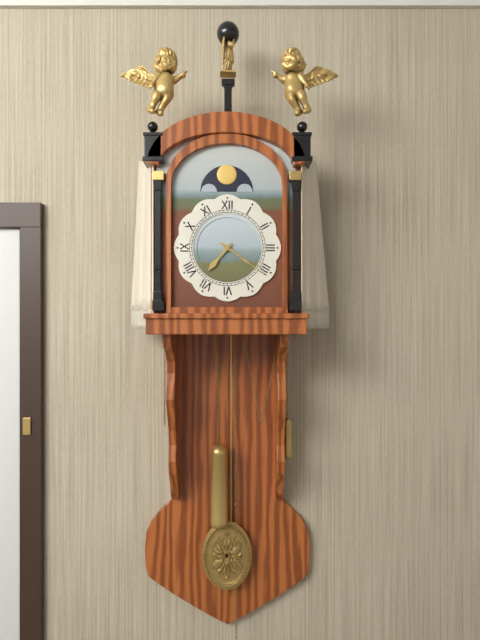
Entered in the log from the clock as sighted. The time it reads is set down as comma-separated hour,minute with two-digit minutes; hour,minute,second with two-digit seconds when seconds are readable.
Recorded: 7,21
